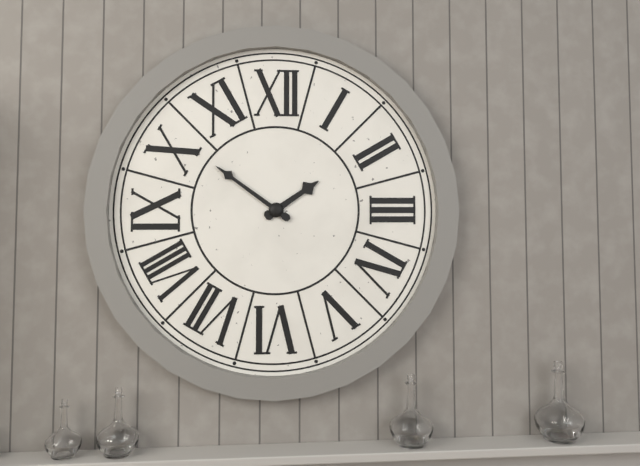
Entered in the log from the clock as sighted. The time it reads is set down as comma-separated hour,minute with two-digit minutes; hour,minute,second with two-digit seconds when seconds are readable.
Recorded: 1,51
